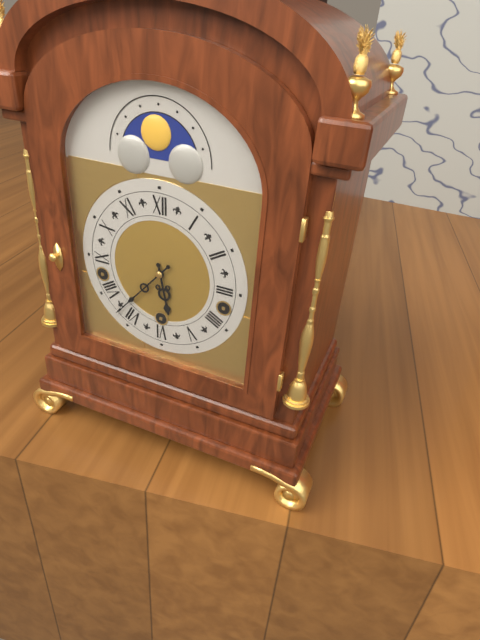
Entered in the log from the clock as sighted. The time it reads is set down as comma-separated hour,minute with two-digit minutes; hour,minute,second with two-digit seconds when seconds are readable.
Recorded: 5,37
